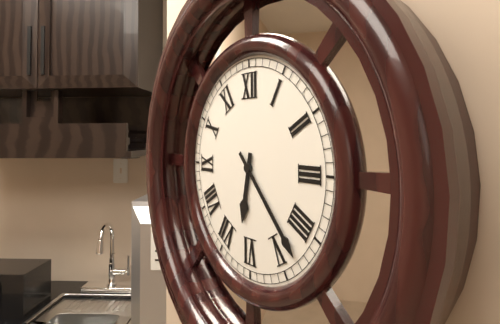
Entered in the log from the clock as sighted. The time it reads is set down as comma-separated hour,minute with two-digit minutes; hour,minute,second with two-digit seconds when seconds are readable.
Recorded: 6,23
